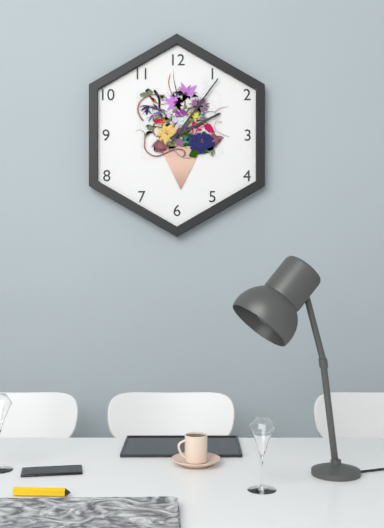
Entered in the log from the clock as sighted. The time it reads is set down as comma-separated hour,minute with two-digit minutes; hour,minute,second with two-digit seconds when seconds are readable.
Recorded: 2,06
